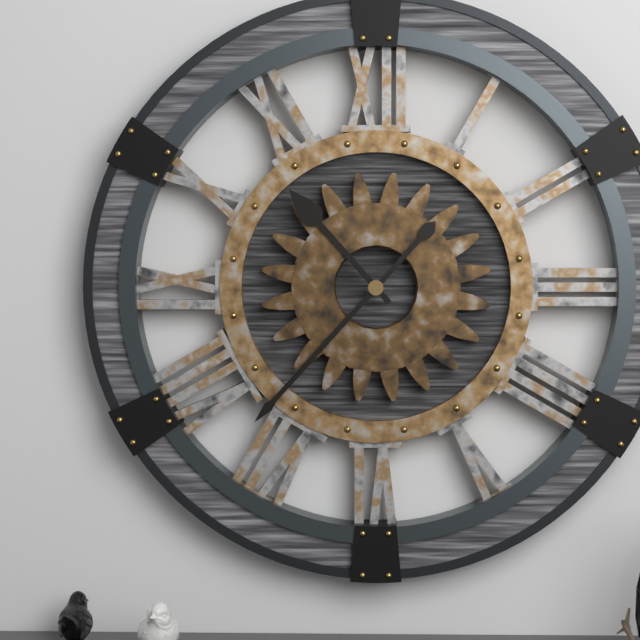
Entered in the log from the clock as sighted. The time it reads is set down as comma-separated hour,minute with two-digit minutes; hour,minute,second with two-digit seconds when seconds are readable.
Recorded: 10,37
